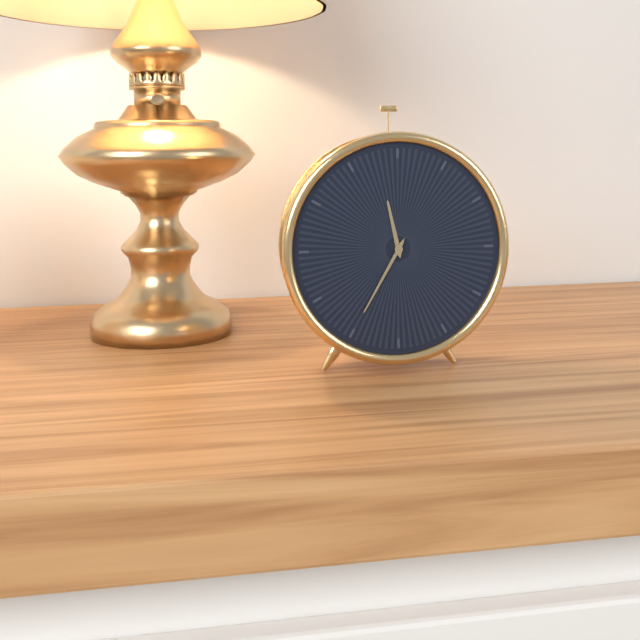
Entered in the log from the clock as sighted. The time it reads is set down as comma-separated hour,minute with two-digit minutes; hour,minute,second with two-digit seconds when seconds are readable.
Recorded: 11,35
